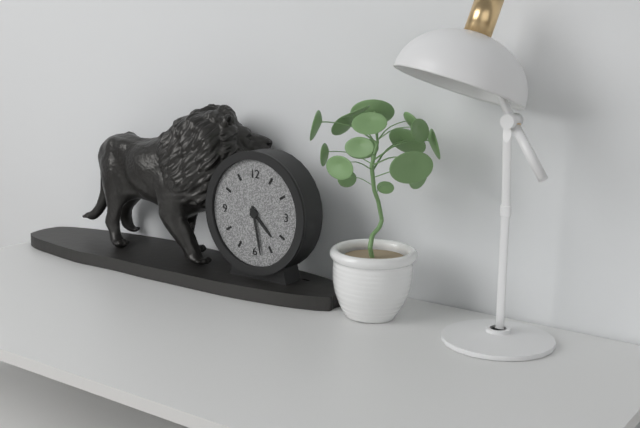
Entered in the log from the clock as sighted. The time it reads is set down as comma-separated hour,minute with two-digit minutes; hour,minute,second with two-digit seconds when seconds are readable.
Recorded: 4,28
